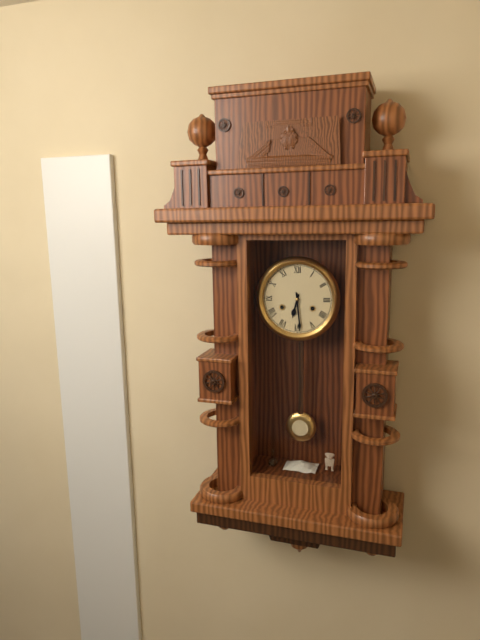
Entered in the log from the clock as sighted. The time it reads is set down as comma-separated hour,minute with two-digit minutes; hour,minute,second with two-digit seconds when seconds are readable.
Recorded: 6,29
